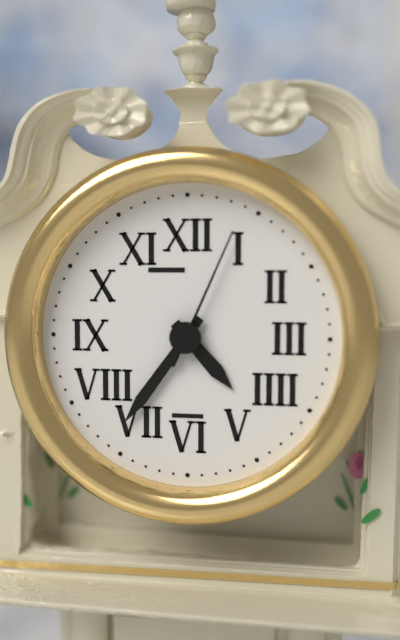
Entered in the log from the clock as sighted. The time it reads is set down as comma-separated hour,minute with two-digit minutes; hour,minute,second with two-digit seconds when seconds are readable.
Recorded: 4,36,04
